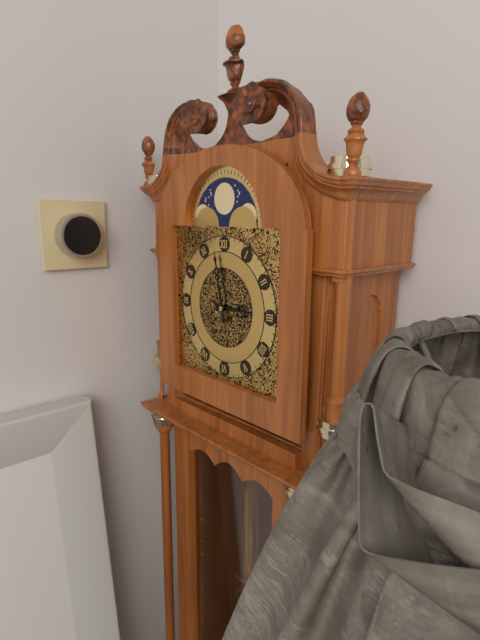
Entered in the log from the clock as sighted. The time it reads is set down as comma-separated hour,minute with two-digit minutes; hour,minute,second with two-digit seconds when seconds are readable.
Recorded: 2,58
